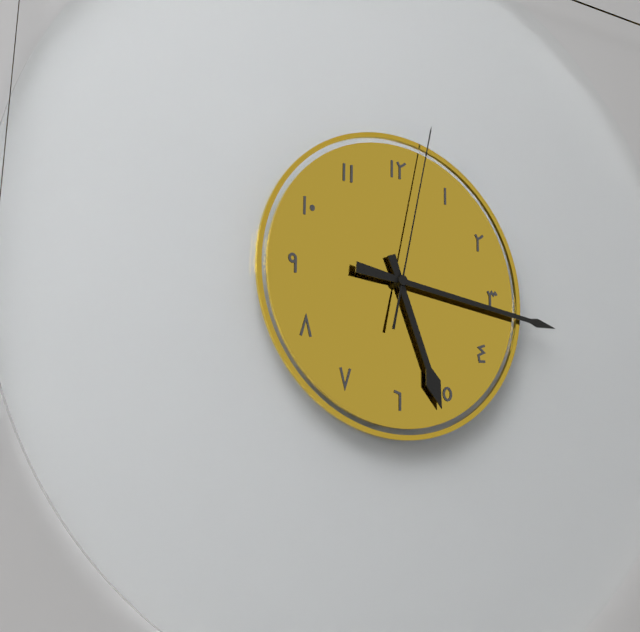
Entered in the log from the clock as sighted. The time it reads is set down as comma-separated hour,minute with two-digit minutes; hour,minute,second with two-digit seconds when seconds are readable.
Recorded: 5,16,02
